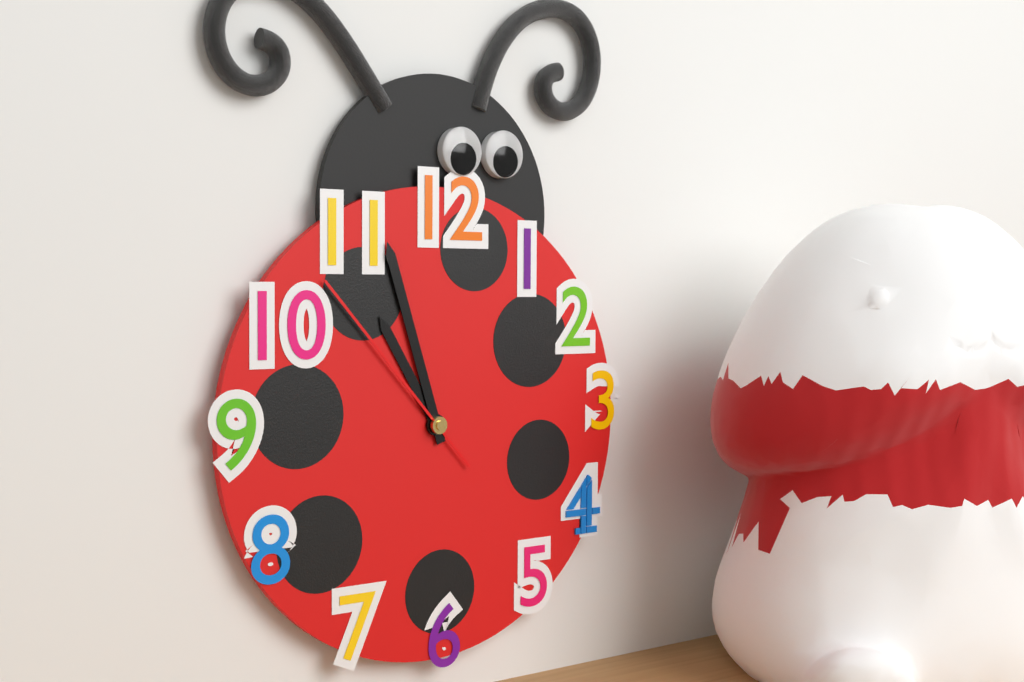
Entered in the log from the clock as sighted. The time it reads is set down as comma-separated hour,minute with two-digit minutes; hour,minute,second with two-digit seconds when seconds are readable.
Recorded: 10,57,53
